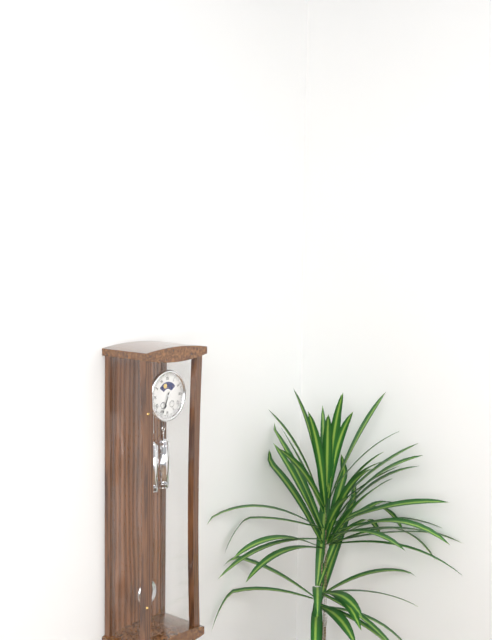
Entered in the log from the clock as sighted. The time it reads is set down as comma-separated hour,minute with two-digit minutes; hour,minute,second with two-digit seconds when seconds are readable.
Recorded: 6,34
